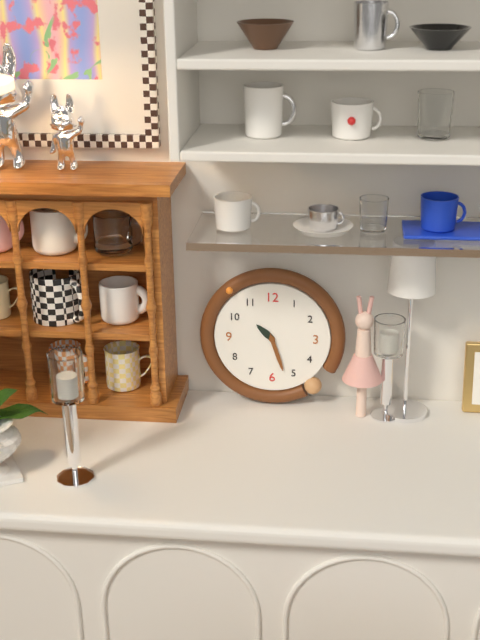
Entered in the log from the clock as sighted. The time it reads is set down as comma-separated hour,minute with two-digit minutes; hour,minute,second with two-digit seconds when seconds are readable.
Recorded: 10,27
